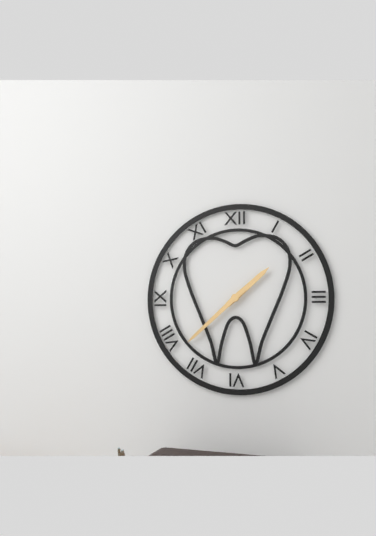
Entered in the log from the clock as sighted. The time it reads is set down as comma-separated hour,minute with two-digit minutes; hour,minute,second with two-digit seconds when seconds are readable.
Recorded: 1,38
